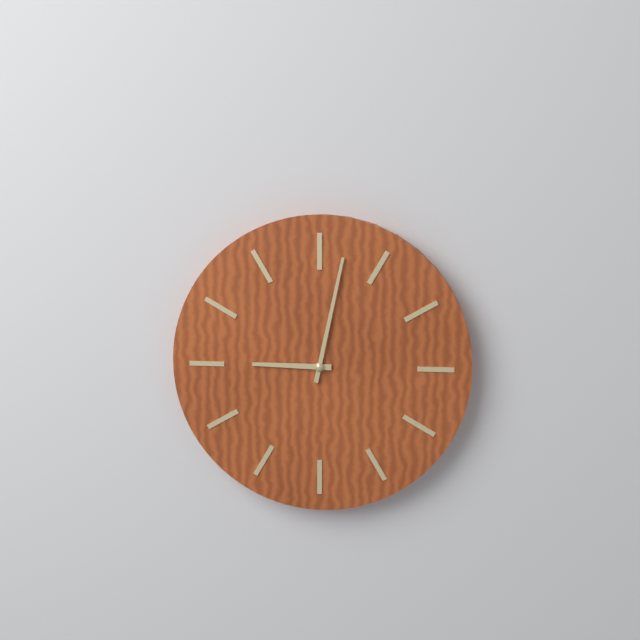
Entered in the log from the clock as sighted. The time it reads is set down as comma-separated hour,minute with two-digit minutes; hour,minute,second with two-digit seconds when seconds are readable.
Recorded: 9,02
